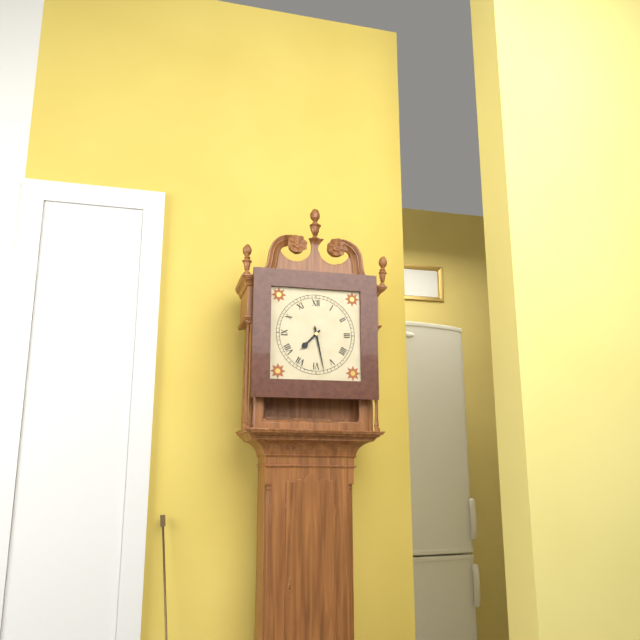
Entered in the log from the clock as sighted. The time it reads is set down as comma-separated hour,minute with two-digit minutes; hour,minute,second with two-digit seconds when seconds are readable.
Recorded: 7,28
